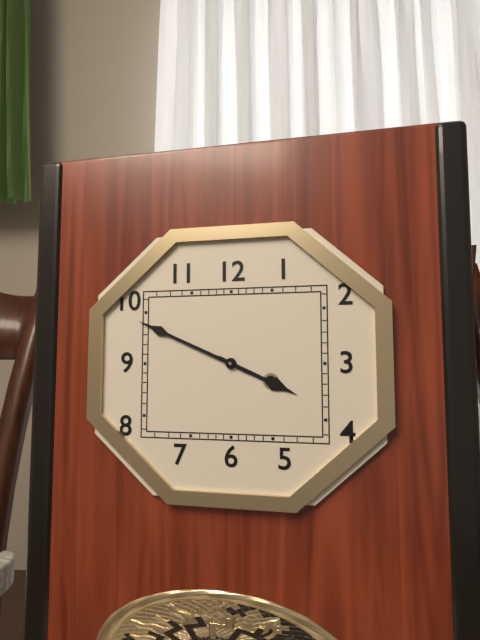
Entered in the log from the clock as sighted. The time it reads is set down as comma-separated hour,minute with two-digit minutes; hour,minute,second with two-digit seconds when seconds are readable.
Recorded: 3,49
